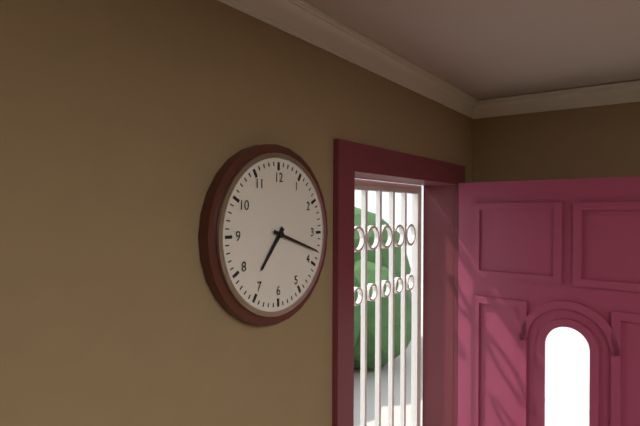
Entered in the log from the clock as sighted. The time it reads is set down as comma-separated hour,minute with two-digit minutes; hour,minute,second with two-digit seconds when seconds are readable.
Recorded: 7,18
